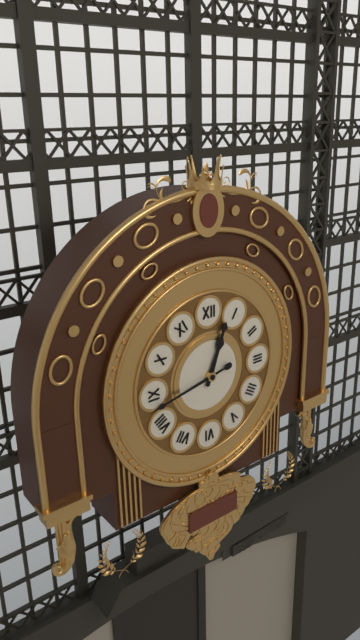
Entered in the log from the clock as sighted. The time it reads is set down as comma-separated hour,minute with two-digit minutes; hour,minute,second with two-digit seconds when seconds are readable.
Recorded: 12,43
